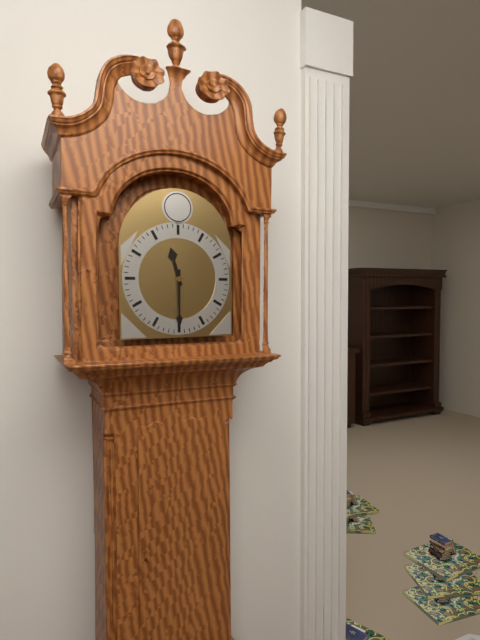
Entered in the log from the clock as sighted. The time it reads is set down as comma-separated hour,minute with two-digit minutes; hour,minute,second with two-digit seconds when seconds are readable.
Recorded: 11,30
